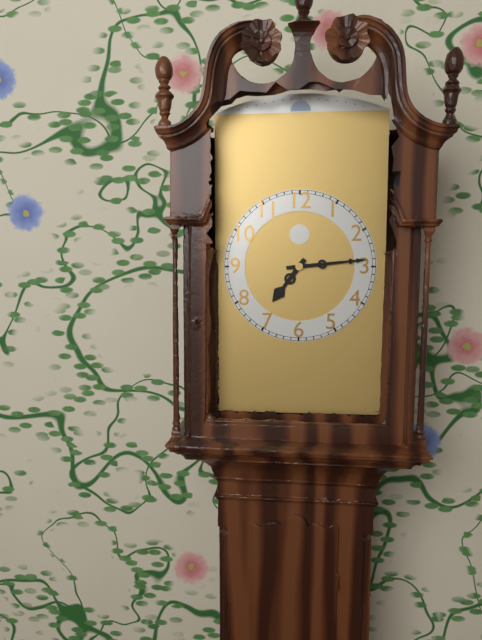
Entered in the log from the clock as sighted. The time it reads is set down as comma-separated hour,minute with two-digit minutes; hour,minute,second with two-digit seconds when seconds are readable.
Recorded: 7,14
